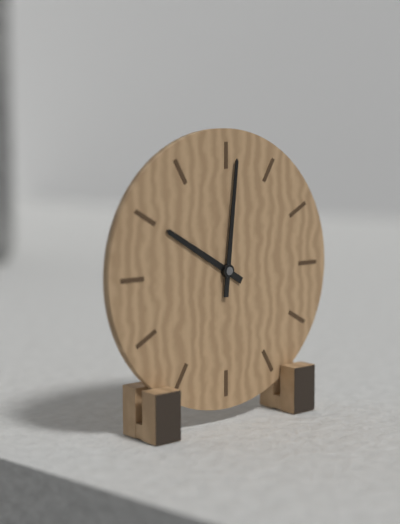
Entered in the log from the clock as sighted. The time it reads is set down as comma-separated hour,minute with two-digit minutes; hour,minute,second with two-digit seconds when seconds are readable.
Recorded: 10,01
